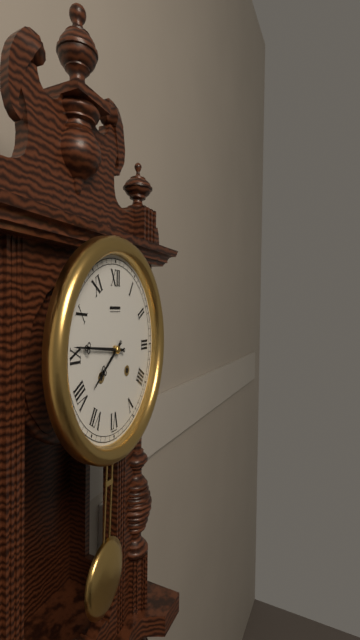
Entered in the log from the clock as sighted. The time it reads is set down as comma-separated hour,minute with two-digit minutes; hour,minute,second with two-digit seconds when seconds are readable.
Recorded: 7,46
